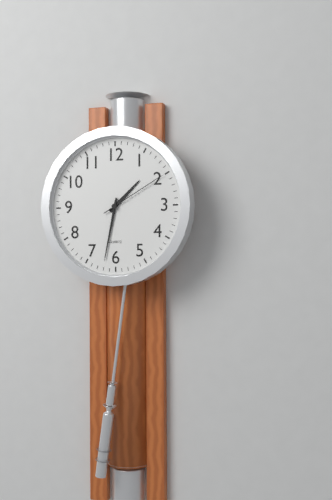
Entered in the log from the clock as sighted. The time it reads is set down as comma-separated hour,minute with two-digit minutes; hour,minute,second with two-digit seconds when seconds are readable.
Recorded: 1,32,10
